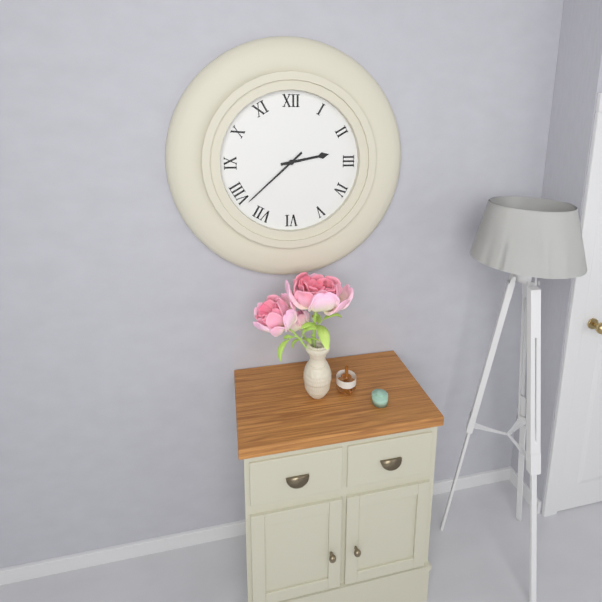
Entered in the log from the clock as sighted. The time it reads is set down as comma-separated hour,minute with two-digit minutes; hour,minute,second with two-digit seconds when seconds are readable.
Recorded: 2,38
